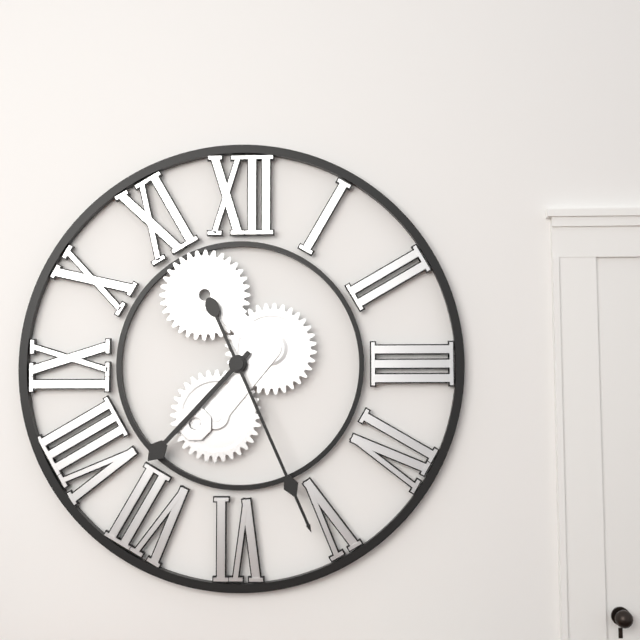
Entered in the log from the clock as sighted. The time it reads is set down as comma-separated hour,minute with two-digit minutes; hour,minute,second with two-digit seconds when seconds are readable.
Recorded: 7,26
